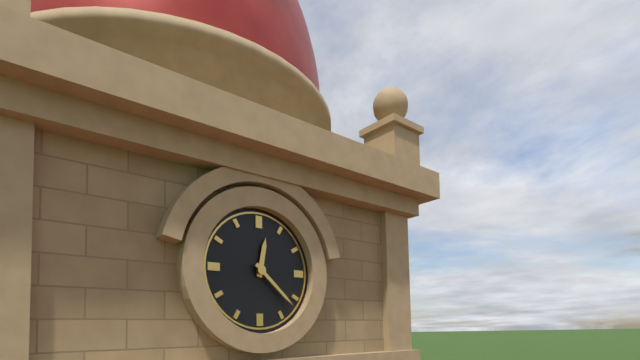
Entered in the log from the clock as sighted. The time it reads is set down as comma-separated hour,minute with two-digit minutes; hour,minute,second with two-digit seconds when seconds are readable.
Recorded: 12,22
